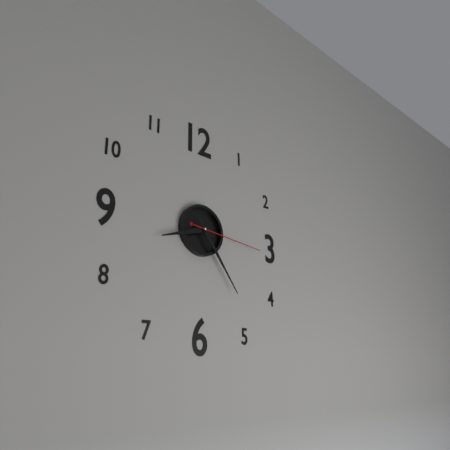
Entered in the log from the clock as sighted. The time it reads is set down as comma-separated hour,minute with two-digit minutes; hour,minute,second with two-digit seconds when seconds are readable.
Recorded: 8,24,16
